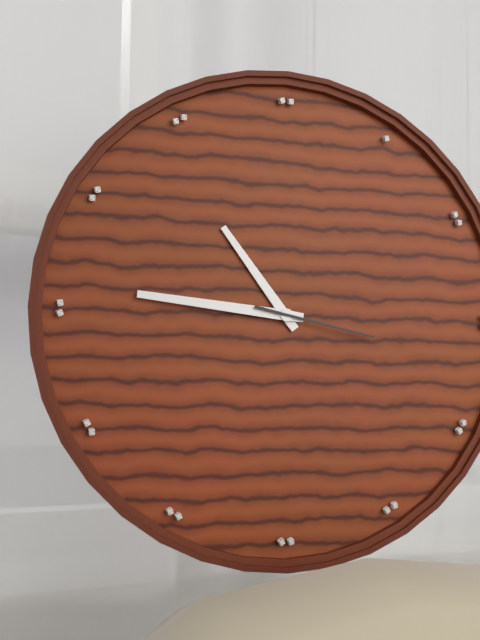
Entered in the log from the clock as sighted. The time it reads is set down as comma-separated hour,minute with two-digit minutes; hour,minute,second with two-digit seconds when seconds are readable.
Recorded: 10,46,17
